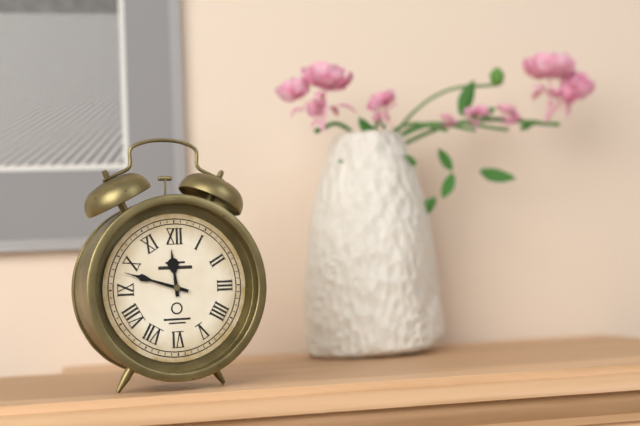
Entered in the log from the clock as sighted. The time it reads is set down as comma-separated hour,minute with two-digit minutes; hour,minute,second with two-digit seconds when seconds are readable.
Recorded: 11,48
